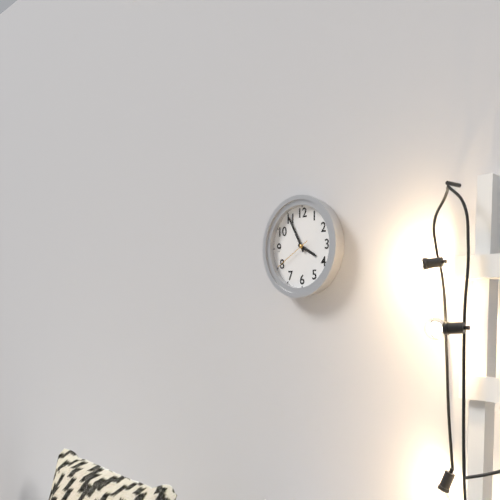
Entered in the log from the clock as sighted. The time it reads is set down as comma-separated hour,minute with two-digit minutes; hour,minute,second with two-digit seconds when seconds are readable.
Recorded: 3,55
